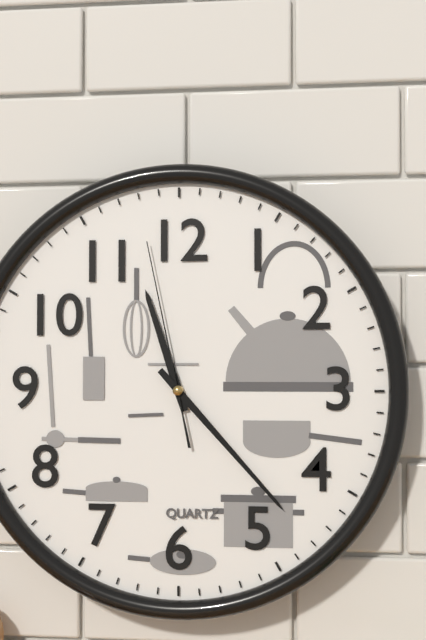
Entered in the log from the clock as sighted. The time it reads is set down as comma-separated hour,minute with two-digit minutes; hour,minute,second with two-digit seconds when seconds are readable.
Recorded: 11,23,58
